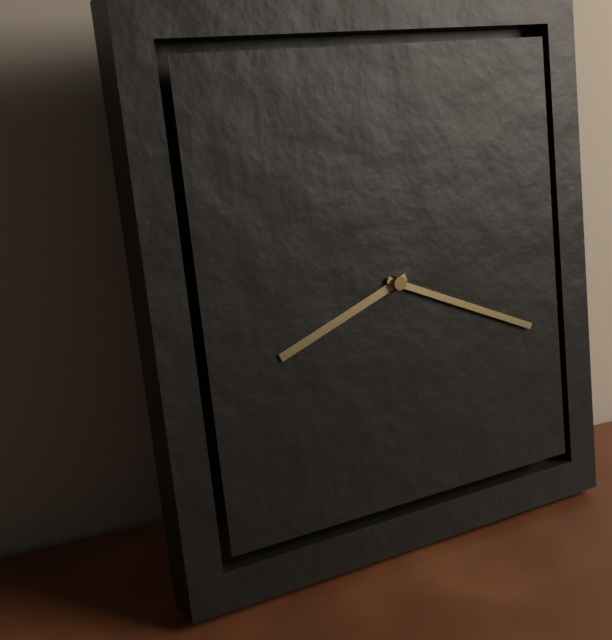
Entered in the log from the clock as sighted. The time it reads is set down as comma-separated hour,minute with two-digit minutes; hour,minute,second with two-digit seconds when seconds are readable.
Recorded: 8,19
